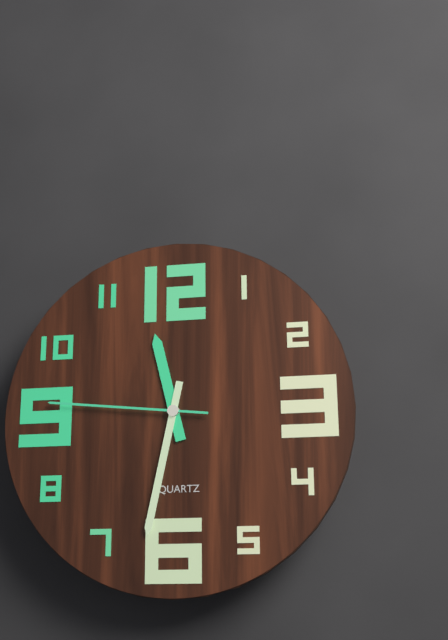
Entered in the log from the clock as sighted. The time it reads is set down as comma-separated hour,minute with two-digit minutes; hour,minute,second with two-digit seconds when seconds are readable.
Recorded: 11,32,46
